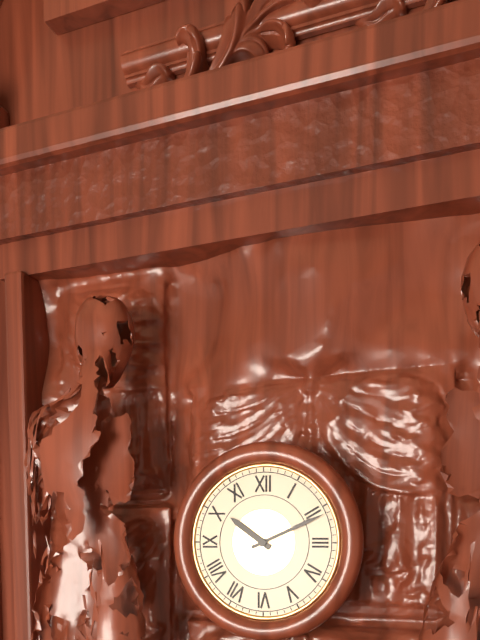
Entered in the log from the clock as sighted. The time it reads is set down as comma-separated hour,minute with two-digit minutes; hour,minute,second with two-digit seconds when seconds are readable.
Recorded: 10,11
